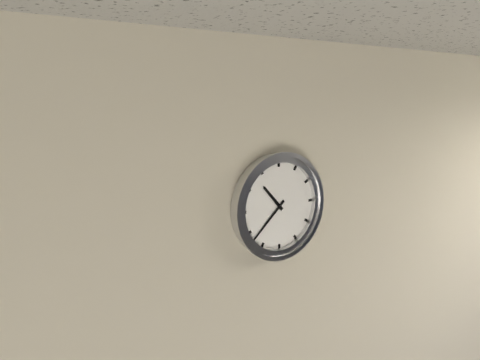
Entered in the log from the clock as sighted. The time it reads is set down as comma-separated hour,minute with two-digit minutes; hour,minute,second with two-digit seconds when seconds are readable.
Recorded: 10,38
